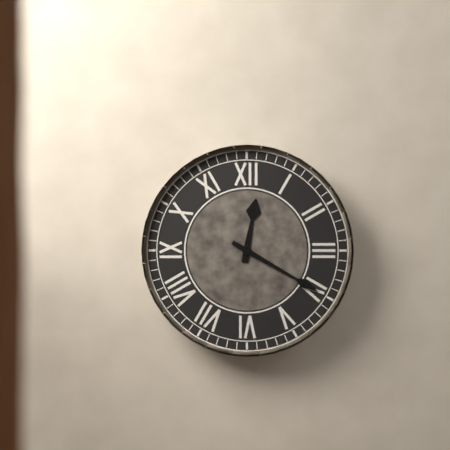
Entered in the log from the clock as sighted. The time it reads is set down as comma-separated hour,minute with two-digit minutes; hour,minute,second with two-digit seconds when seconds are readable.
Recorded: 12,20
